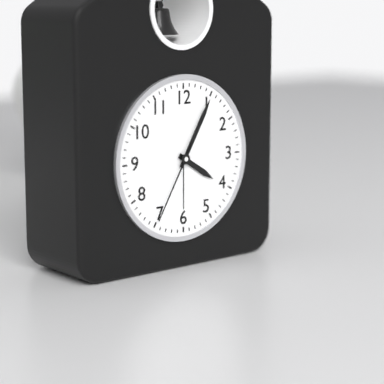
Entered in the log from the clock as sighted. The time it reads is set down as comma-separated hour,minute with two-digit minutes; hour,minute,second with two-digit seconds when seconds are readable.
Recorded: 4,05,35
